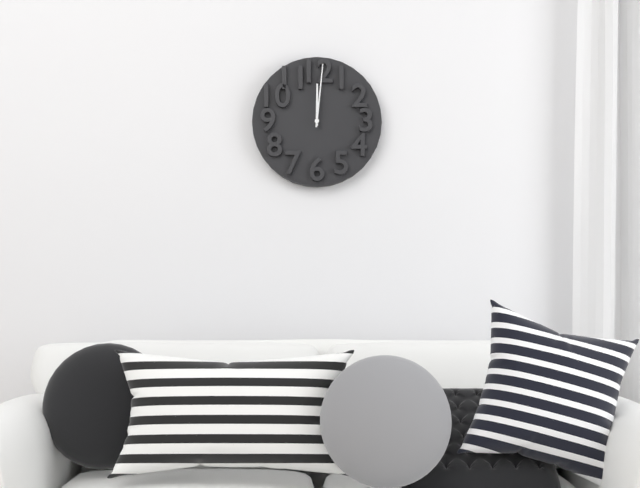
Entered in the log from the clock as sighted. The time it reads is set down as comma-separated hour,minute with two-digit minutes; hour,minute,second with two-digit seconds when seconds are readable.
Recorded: 12,01
